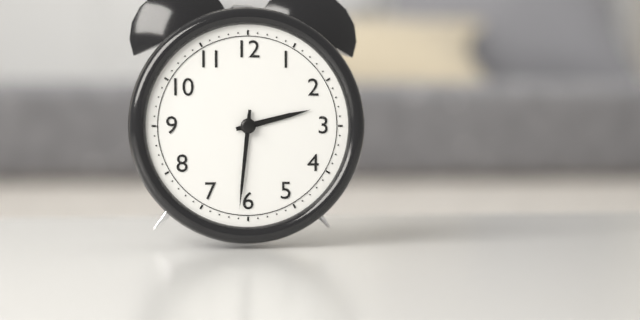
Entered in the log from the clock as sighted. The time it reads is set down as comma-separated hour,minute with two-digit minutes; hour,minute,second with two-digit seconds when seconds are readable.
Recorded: 2,31
